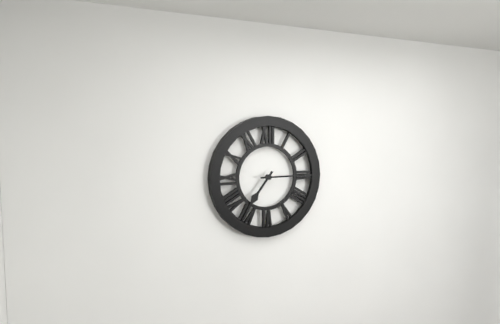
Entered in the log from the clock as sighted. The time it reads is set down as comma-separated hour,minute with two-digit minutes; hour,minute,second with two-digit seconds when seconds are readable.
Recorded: 7,15
